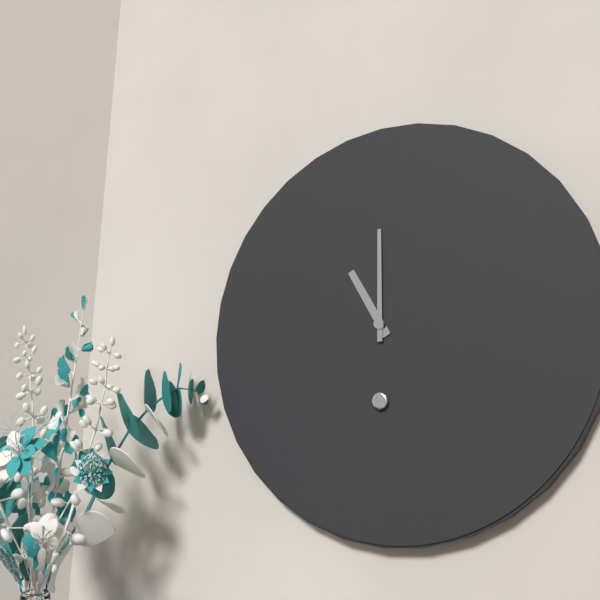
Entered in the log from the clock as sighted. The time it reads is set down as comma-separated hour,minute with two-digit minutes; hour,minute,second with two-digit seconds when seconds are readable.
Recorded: 11,00
